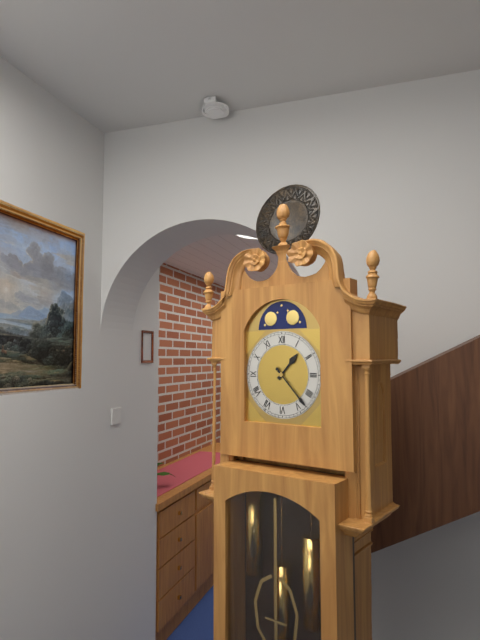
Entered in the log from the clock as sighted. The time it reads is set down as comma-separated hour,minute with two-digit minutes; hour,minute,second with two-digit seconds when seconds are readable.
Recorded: 1,23
